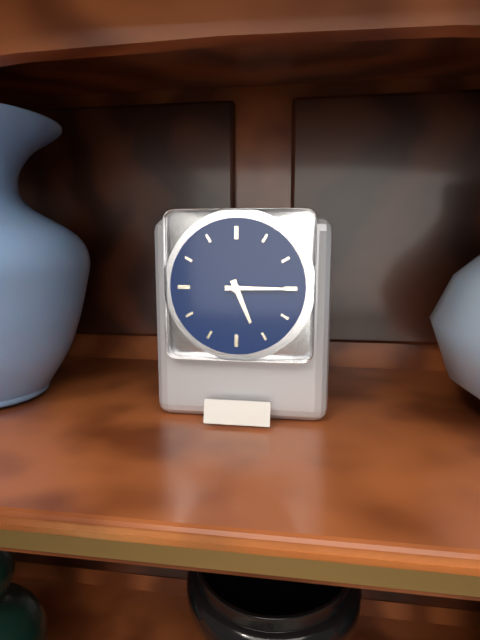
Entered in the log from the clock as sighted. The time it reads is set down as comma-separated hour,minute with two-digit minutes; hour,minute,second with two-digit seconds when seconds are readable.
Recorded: 5,15
